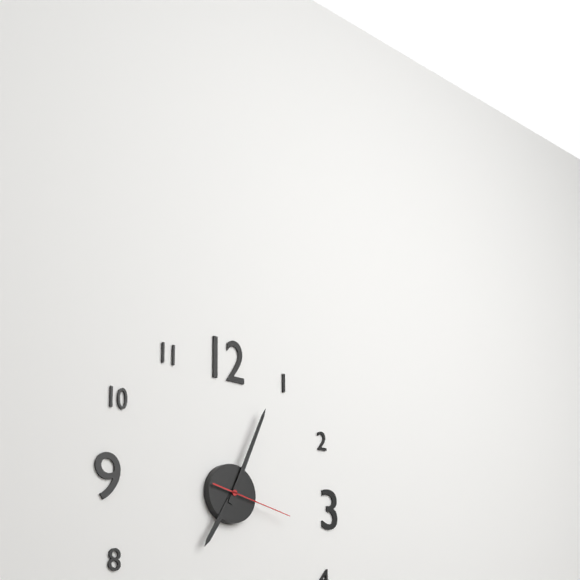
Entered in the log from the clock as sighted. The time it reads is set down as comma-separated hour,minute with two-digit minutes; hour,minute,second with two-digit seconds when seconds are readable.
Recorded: 7,04,17
